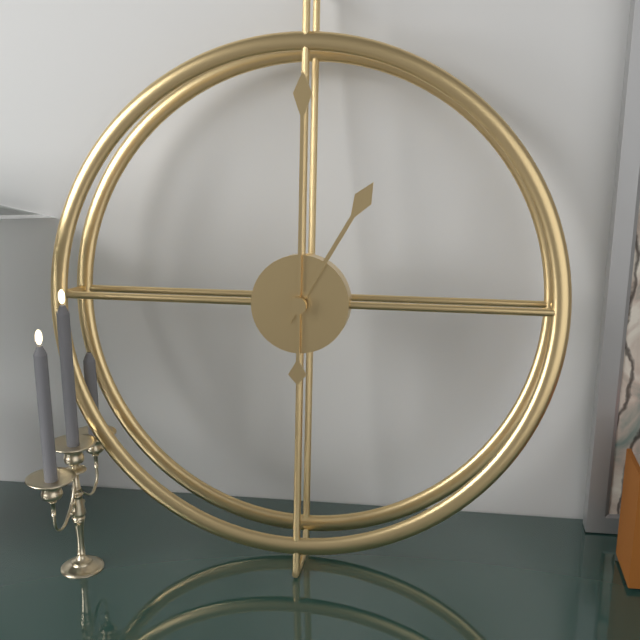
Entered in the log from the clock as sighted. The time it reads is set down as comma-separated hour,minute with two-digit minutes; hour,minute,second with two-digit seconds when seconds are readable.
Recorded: 1,00
